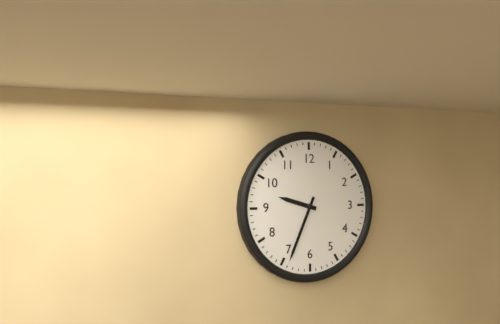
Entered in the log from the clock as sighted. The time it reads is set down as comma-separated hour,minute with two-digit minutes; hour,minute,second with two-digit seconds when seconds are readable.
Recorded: 9,34
